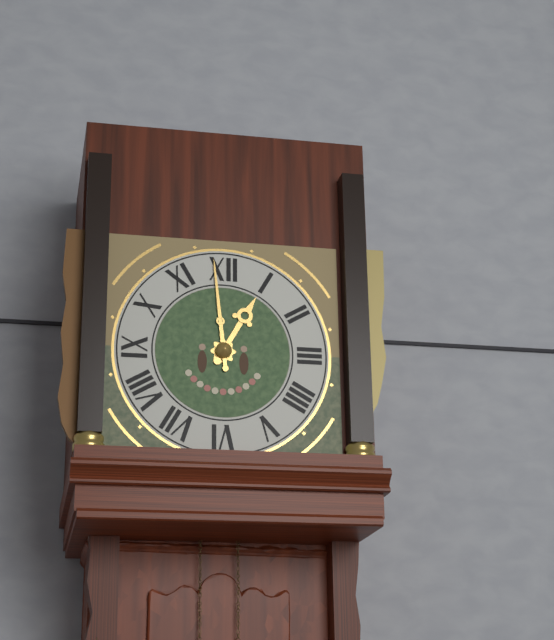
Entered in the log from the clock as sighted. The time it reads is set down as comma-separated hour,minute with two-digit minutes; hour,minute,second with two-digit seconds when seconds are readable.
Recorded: 12,59
